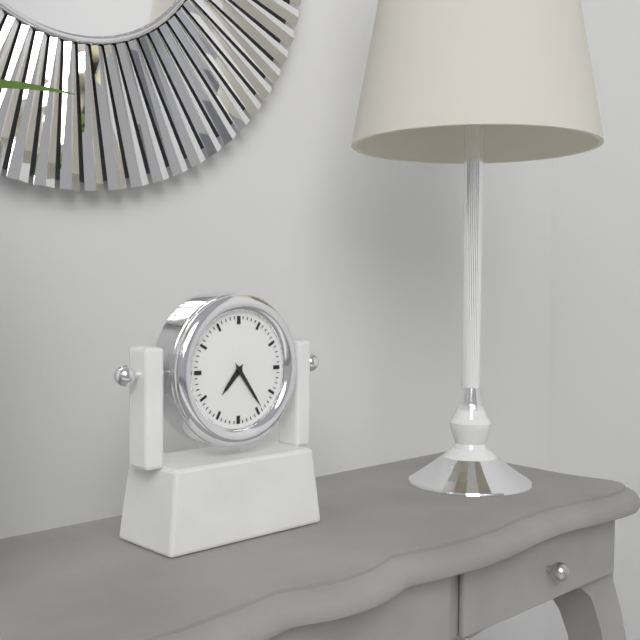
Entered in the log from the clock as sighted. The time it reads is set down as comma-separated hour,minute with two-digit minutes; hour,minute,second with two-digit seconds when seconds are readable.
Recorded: 7,24
